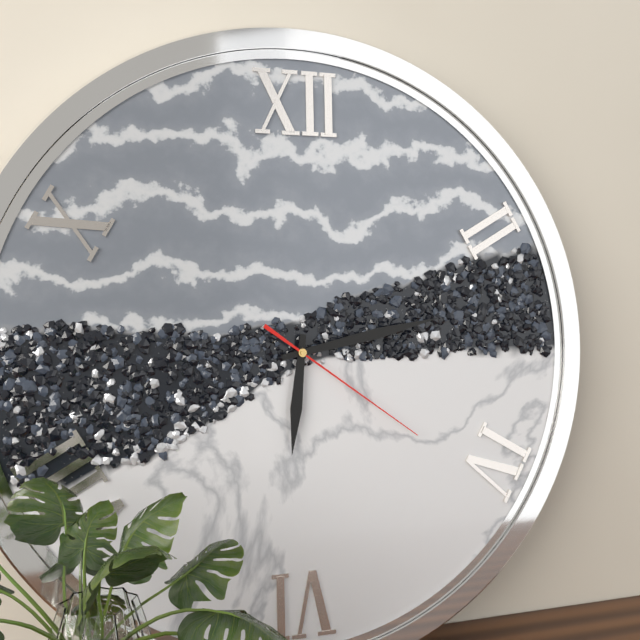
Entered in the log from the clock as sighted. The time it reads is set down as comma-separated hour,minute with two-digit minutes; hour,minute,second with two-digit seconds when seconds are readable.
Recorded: 6,13,21
